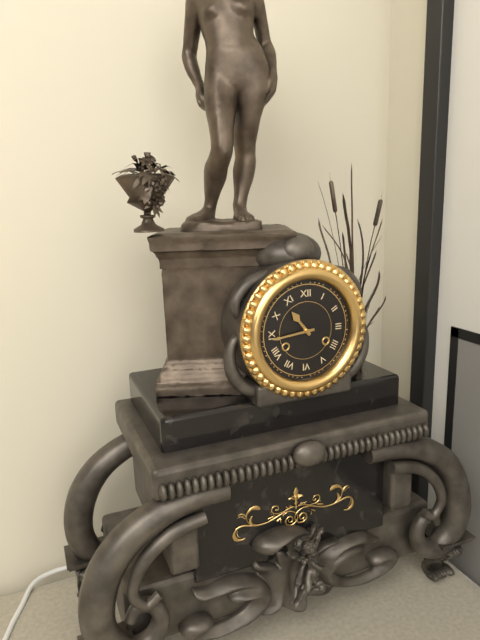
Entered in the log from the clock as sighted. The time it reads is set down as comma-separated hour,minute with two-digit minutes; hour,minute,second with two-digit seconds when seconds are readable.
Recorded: 10,44
